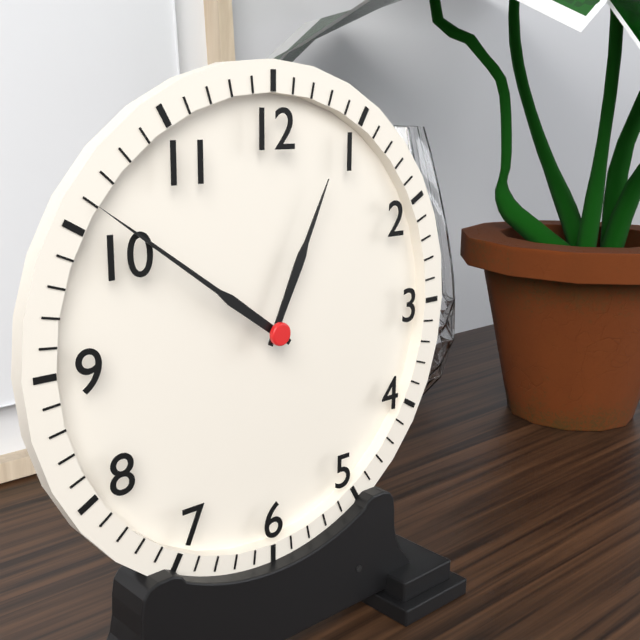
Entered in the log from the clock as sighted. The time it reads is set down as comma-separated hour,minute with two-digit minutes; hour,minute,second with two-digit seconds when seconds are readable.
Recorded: 12,51
